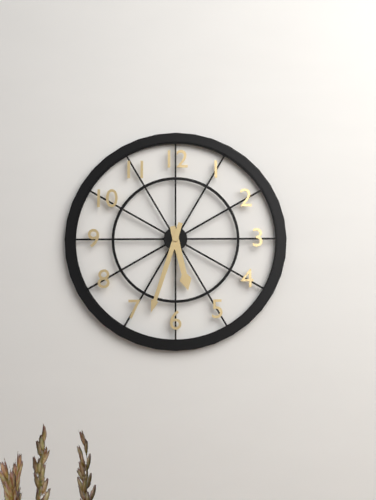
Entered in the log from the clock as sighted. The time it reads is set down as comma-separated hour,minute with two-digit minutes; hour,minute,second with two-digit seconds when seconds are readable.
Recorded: 5,33
